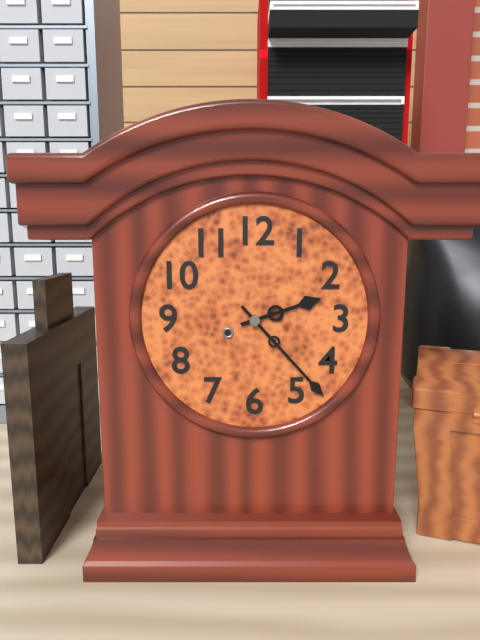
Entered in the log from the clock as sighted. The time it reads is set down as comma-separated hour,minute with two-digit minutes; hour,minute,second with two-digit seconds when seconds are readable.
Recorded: 2,23
